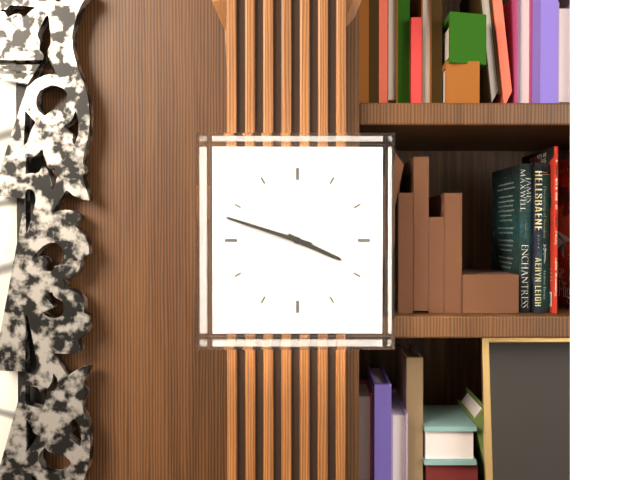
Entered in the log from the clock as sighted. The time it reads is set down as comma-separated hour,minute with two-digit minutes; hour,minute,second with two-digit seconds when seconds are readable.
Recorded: 3,48
